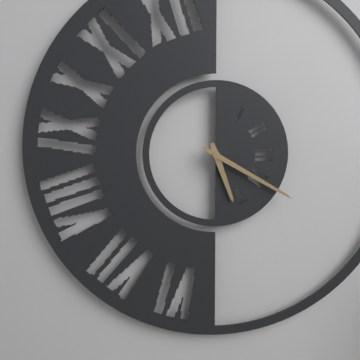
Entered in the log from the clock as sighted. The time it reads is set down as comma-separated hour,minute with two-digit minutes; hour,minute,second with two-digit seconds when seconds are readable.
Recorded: 5,20
